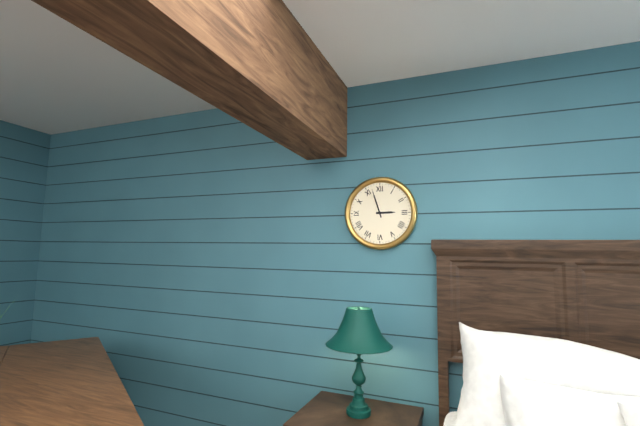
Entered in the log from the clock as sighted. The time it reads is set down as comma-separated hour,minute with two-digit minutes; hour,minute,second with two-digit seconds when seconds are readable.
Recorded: 2,57
